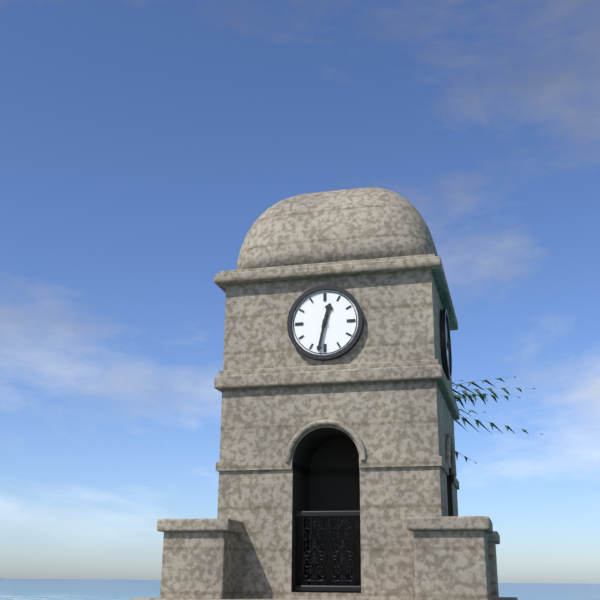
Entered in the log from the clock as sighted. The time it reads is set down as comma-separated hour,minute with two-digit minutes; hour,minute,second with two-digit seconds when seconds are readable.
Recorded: 12,32
